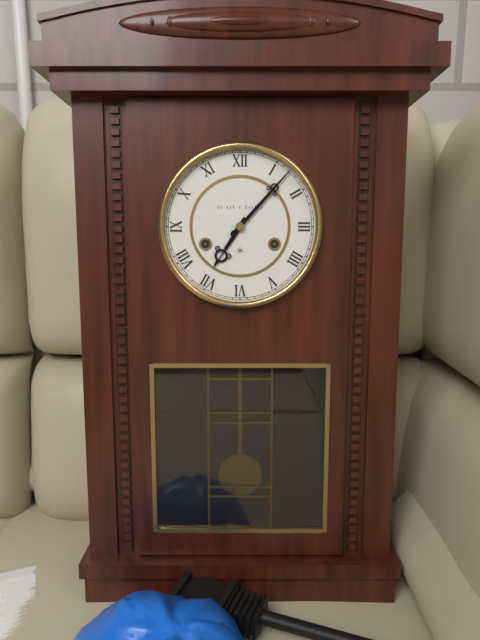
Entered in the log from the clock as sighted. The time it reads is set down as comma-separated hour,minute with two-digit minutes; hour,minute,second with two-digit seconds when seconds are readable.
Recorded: 7,07
